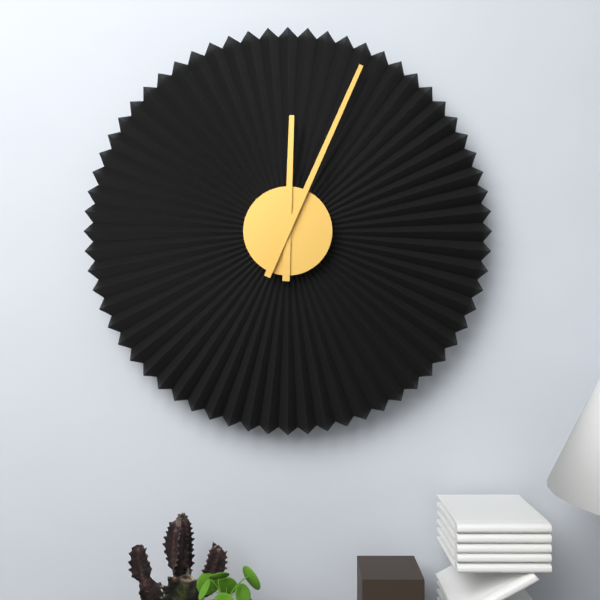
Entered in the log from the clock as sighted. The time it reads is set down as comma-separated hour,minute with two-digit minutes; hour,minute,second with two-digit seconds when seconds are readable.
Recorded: 12,04
